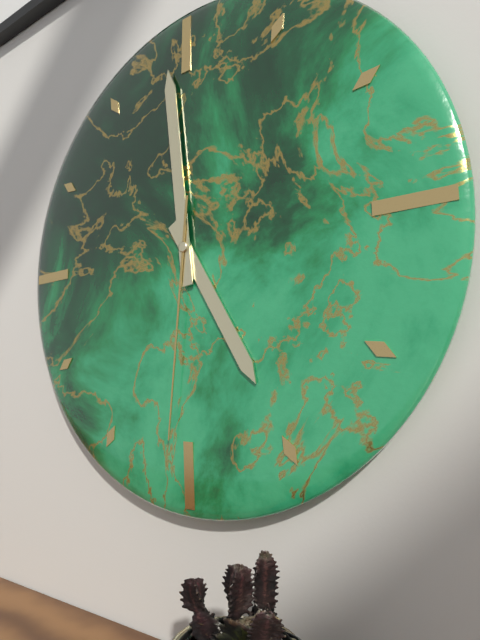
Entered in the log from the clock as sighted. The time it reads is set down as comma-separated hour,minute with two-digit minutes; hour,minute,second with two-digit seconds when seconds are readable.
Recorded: 4,59,31
